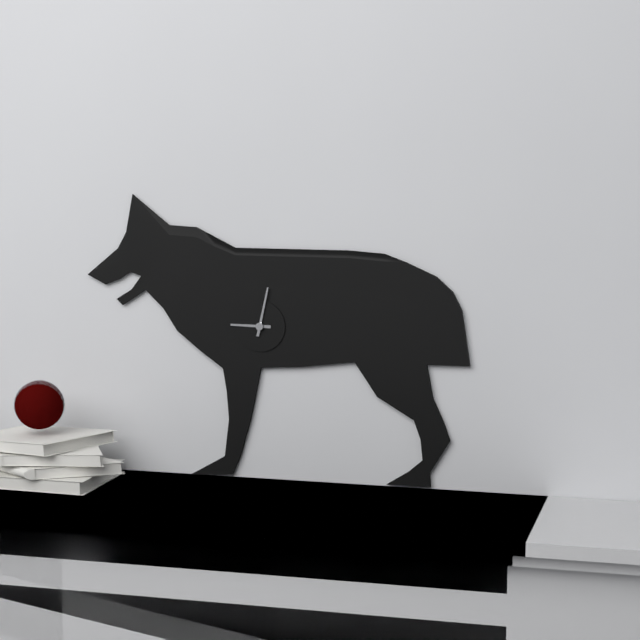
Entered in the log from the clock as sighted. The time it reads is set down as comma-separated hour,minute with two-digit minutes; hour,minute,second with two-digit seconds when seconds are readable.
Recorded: 9,02
